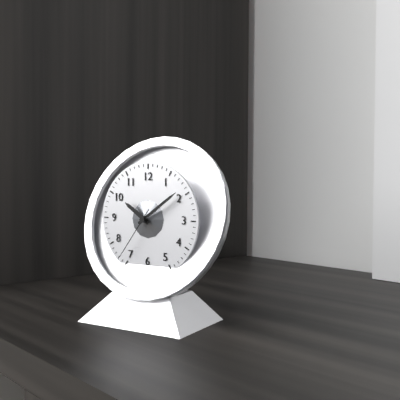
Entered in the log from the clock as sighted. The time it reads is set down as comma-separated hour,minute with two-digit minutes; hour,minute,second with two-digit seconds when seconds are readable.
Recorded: 10,09,36
